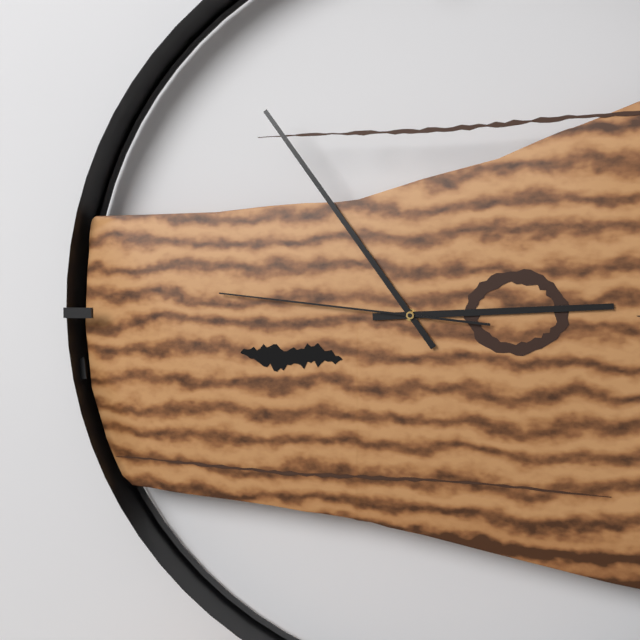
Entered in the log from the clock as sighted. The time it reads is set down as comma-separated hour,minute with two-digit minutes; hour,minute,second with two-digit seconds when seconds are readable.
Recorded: 2,54,46
